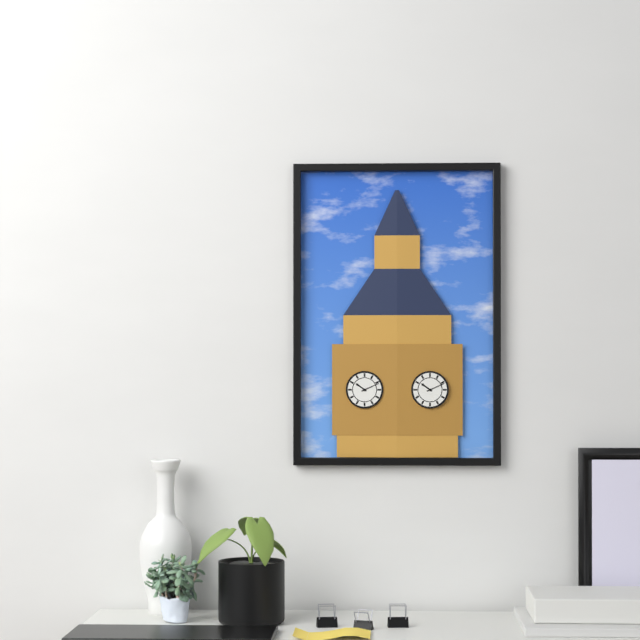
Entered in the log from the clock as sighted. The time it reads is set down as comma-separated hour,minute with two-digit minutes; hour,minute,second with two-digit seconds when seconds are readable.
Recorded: 10,11
